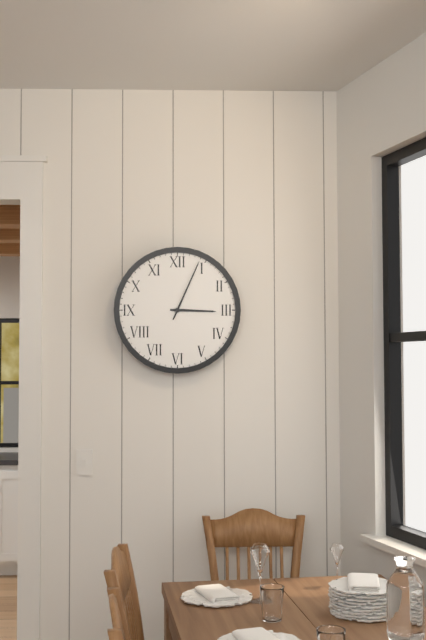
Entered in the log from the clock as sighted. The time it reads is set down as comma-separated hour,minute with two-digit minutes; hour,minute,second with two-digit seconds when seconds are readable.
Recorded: 3,04
